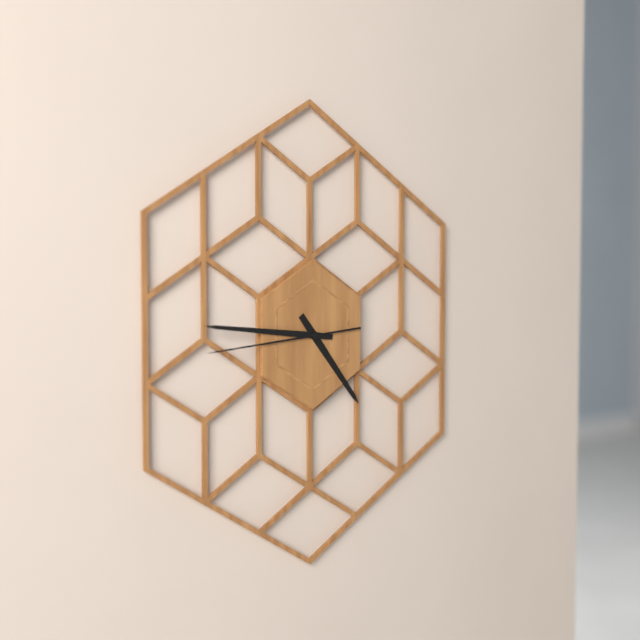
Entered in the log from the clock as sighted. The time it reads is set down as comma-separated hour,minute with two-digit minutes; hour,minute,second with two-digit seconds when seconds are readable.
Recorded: 4,46,44
